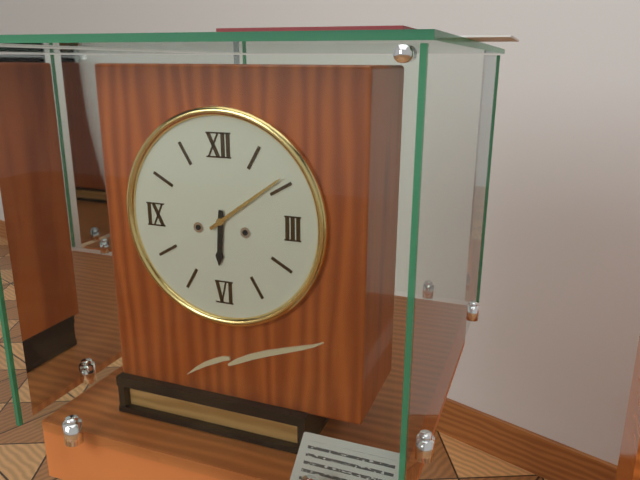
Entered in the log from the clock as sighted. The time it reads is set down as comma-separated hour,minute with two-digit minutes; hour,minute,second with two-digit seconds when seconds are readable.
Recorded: 6,09
